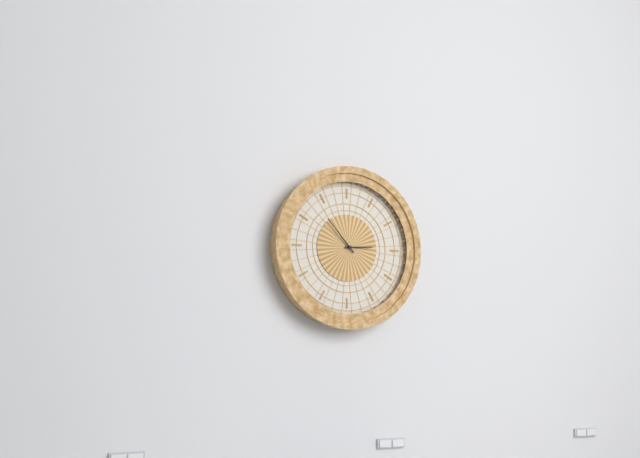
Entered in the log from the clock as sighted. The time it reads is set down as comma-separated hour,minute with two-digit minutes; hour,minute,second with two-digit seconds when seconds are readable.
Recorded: 2,53
